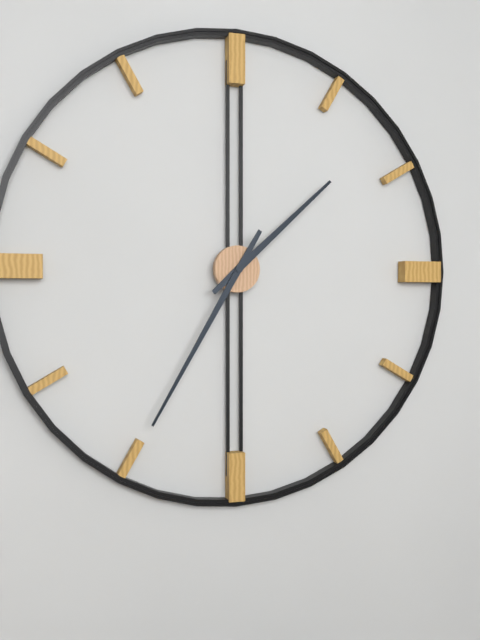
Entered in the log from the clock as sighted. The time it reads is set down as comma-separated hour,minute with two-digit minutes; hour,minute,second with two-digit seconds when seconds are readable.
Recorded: 1,35
